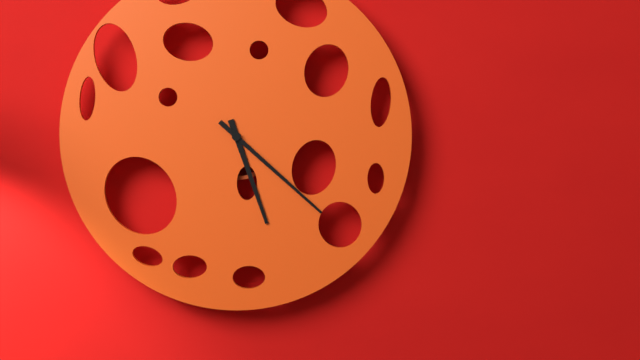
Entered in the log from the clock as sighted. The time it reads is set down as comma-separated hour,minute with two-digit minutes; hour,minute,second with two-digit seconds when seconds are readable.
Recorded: 5,22
